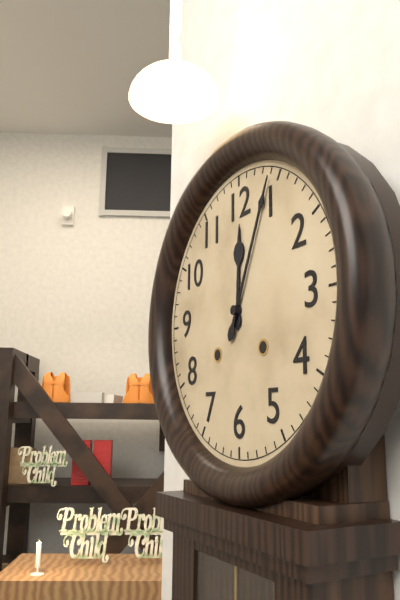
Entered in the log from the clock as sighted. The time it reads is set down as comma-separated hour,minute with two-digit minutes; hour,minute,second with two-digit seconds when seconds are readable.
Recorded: 12,04
